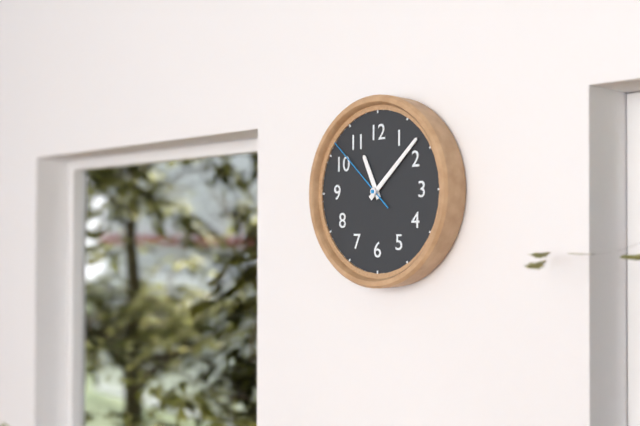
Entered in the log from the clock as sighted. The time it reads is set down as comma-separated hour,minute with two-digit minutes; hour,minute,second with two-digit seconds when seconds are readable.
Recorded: 11,08,52
